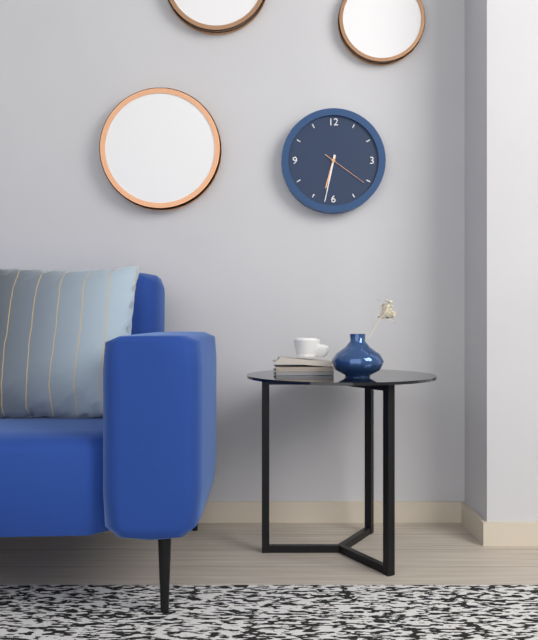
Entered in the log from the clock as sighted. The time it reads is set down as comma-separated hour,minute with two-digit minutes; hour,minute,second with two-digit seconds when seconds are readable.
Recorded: 6,32
